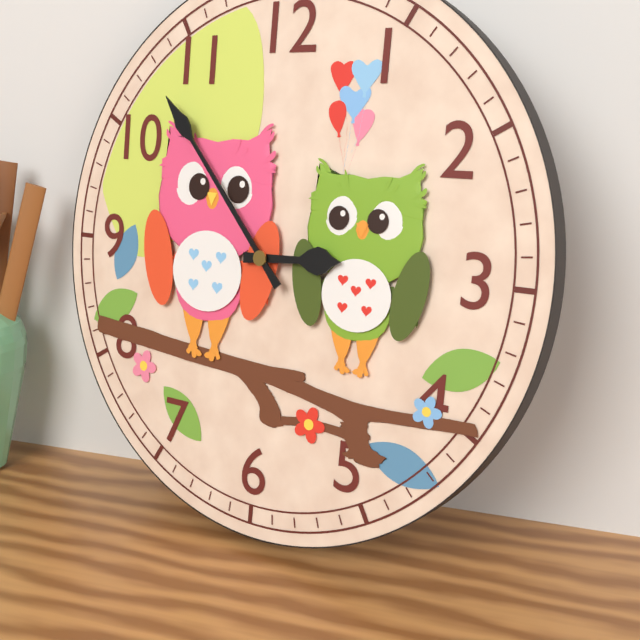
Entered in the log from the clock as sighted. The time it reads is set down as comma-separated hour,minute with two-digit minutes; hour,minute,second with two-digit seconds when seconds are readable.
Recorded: 2,53
